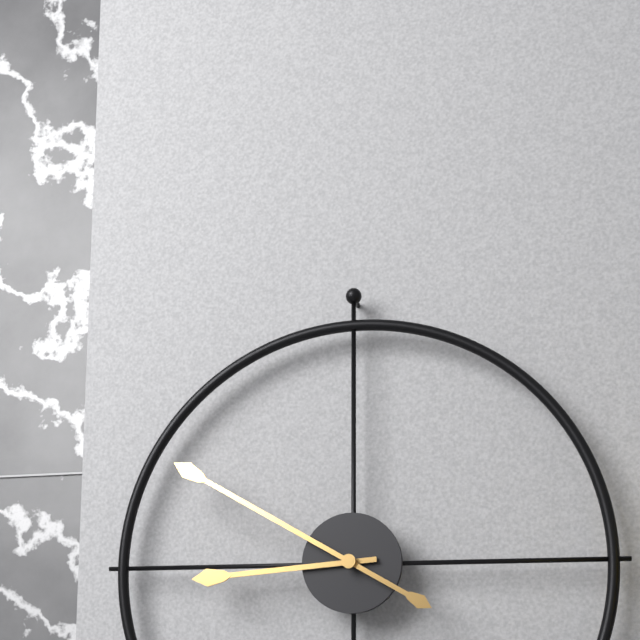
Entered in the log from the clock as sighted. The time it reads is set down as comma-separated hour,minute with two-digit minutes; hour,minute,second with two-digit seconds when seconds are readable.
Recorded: 8,50
